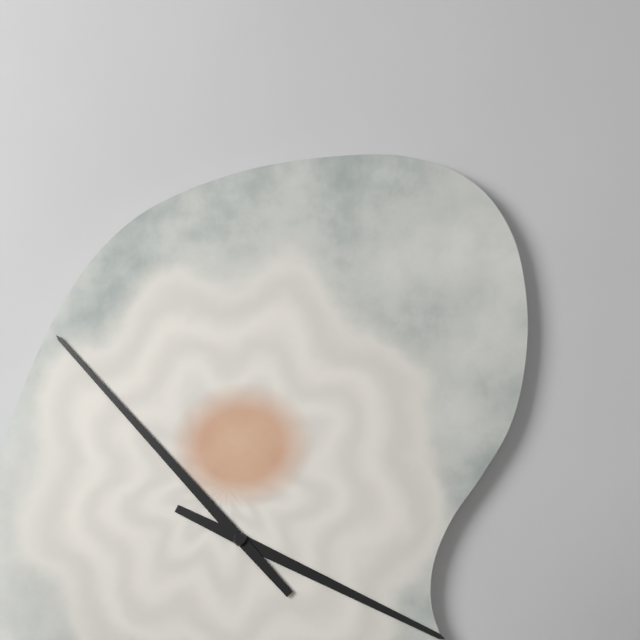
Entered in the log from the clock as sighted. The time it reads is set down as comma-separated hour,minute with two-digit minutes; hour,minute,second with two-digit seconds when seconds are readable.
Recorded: 3,53
